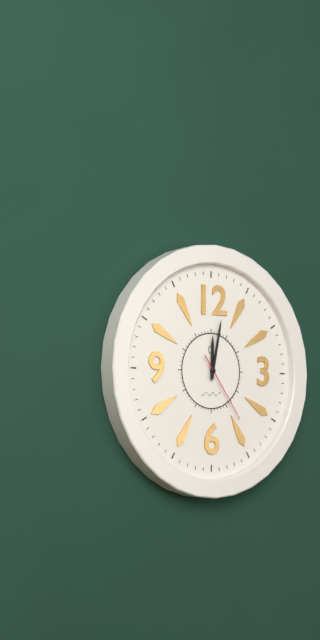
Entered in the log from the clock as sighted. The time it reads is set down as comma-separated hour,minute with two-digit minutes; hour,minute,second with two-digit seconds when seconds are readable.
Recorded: 12,02,24
